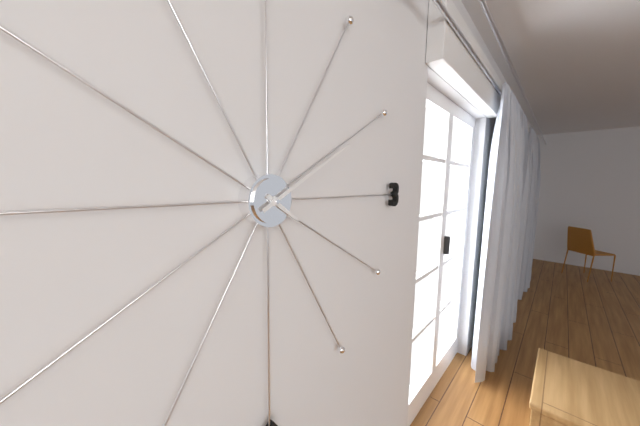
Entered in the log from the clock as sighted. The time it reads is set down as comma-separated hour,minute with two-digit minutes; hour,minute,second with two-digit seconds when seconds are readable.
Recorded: 4,10
